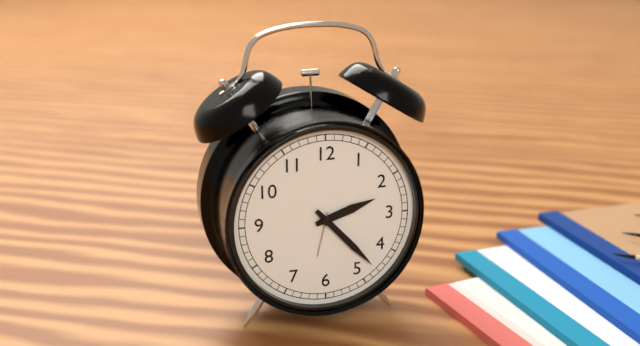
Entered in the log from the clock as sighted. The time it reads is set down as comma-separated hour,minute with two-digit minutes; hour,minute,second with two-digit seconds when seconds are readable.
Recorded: 2,23
